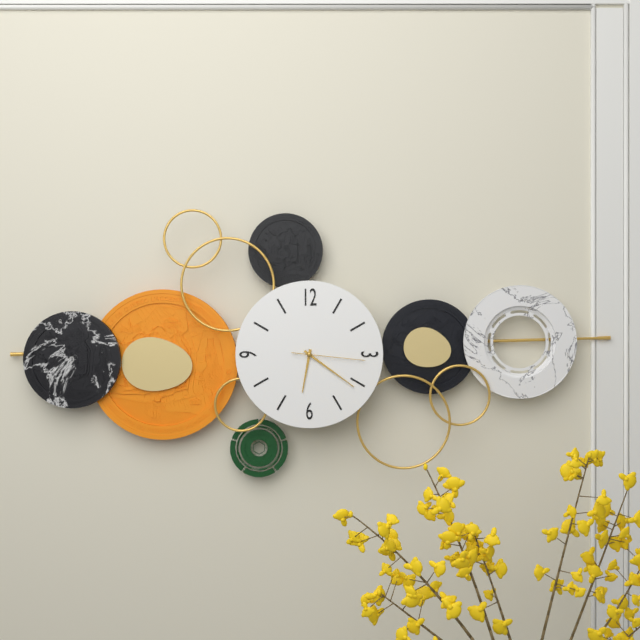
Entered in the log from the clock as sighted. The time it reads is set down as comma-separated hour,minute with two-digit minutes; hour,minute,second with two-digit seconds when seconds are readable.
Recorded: 6,21,16
